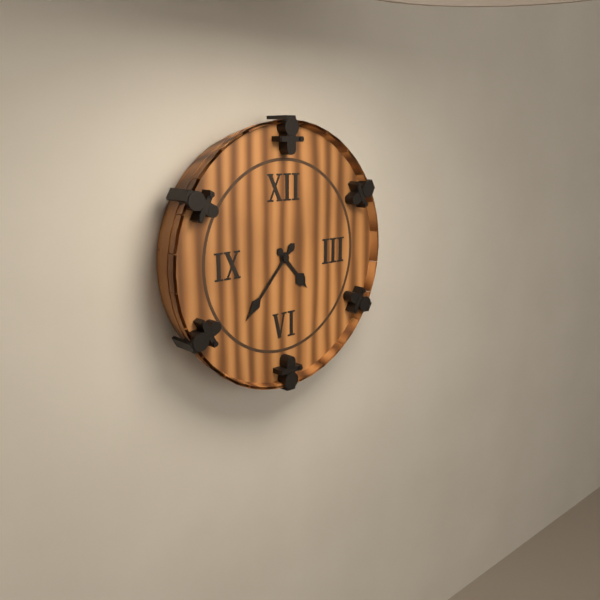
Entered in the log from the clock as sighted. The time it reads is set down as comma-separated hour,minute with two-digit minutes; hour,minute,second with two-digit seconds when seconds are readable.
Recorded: 4,37
